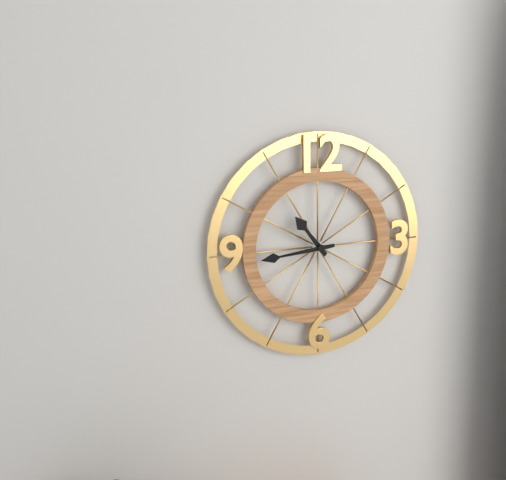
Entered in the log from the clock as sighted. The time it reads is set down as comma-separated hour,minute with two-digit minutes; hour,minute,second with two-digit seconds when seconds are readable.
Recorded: 10,44
